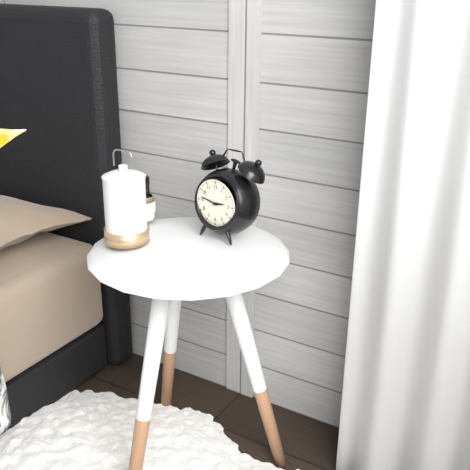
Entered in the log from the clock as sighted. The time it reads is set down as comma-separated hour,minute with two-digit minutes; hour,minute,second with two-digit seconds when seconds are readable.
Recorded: 2,47
